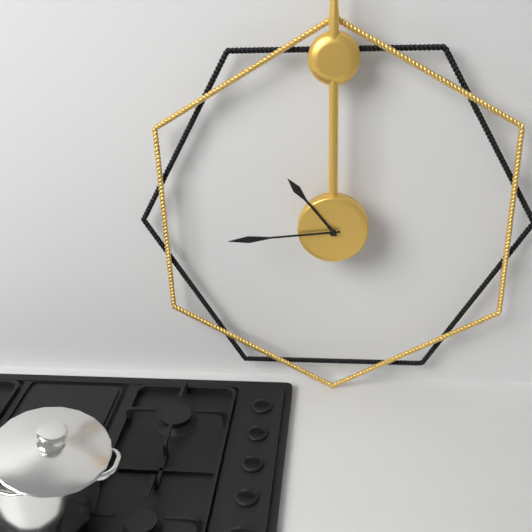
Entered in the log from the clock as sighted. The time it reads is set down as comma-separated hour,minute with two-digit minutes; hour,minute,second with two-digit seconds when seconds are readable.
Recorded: 10,44
